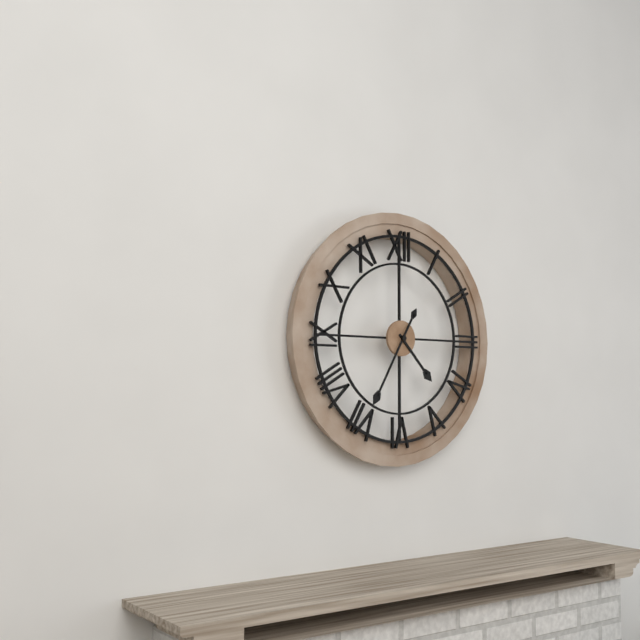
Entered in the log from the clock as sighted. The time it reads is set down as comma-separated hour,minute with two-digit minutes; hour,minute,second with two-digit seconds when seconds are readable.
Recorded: 4,35
